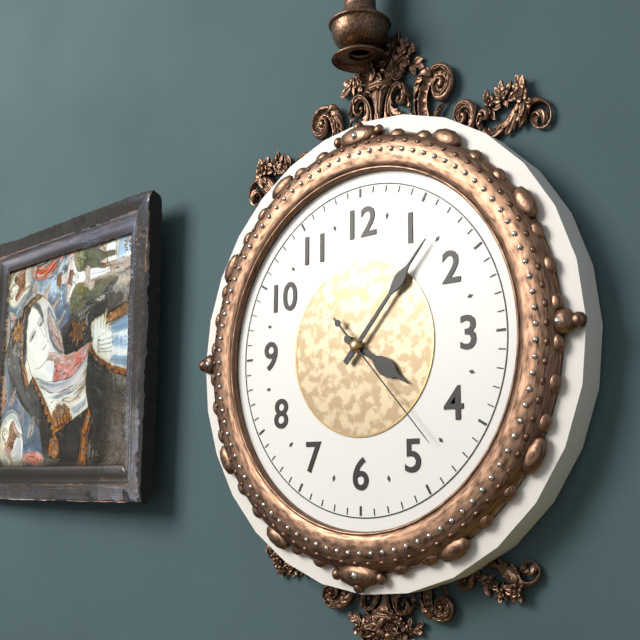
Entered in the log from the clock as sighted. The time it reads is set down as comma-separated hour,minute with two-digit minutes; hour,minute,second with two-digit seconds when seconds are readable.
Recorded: 4,07,23
